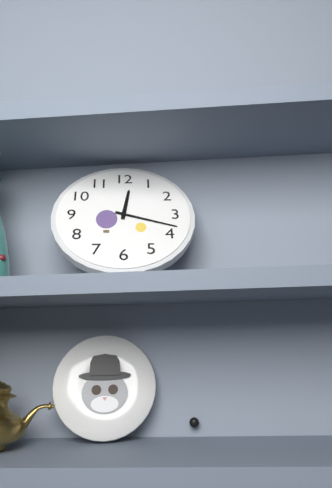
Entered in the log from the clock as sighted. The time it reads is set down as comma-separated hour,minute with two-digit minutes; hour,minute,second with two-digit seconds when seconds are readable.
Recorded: 12,18
